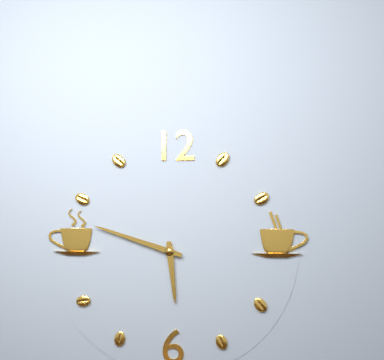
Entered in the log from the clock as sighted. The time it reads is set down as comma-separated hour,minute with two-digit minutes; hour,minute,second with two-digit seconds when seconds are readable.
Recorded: 5,48
